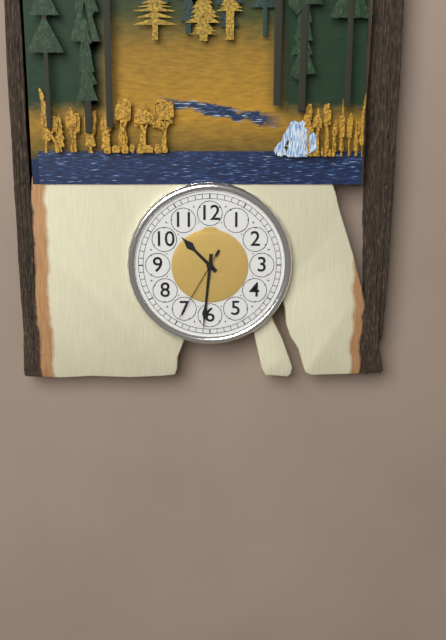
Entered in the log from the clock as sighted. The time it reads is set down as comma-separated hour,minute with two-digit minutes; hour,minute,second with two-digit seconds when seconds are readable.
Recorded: 10,31,35
